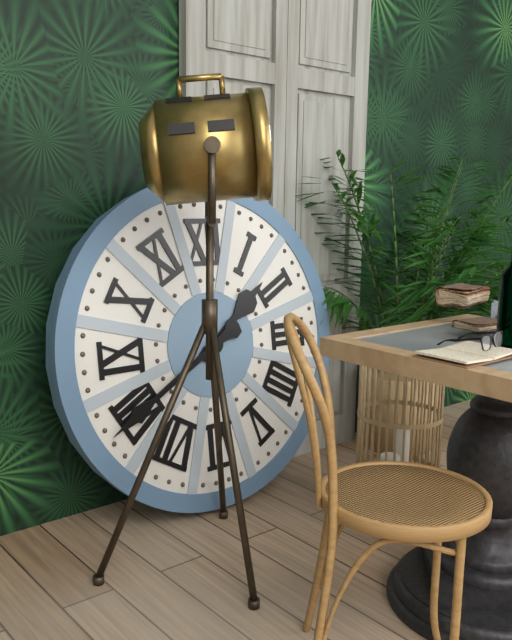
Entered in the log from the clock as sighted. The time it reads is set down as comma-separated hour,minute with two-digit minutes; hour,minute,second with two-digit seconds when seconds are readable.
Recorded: 1,40
